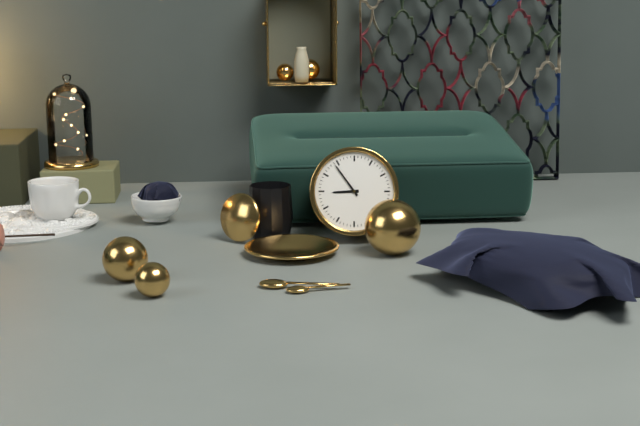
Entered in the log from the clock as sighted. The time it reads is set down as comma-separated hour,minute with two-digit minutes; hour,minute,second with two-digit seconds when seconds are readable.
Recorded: 8,54
